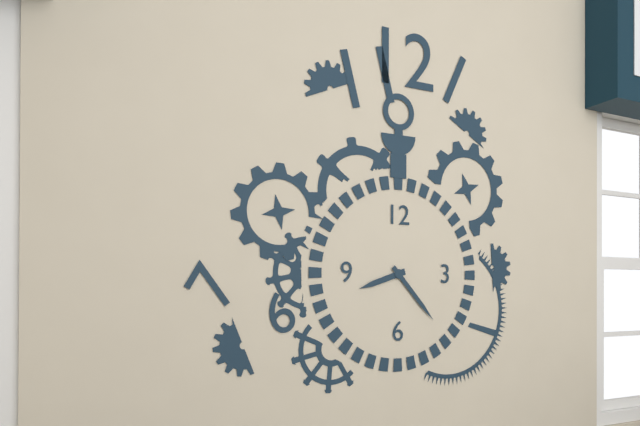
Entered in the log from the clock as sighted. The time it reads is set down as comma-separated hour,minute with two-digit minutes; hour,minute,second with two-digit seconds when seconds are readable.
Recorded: 8,23
